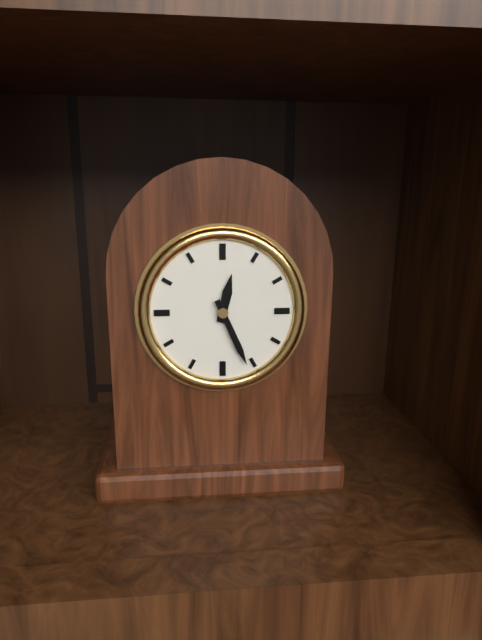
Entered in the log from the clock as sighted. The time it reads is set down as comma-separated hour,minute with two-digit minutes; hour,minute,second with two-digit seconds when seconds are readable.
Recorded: 12,26
